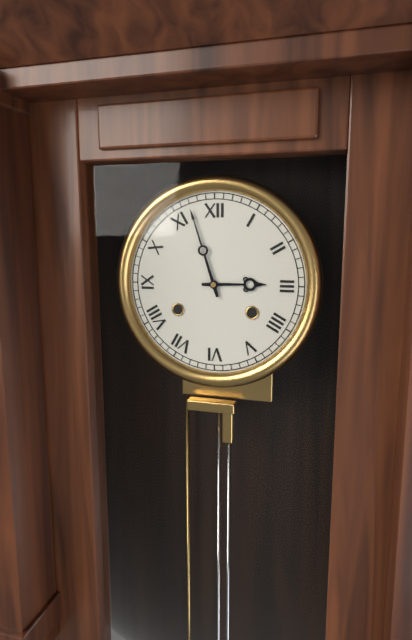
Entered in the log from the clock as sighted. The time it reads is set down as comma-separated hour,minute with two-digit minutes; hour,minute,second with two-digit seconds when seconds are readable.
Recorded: 2,57
